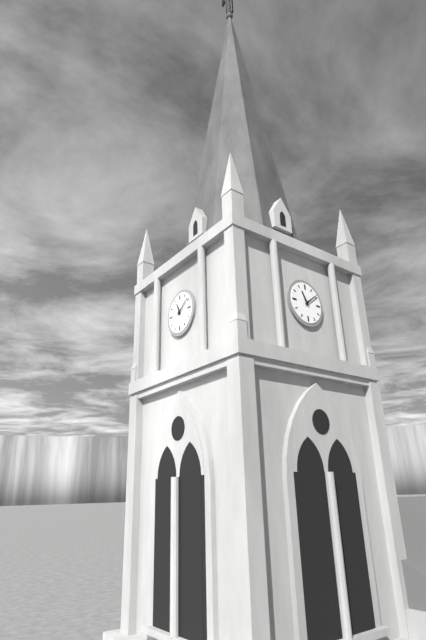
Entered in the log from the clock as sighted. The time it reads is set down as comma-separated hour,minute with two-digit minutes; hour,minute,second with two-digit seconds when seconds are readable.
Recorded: 11,09
